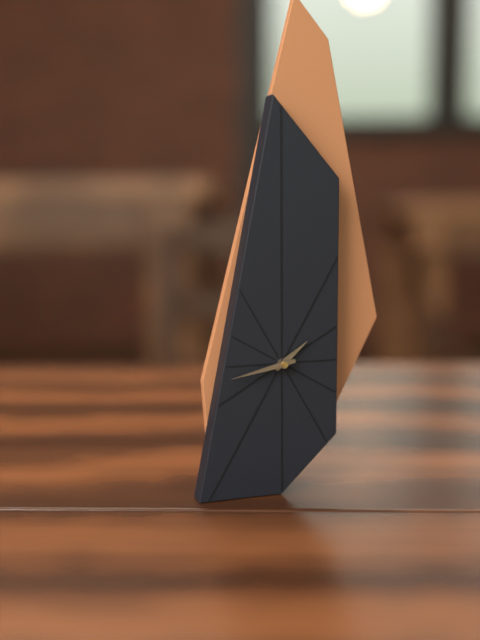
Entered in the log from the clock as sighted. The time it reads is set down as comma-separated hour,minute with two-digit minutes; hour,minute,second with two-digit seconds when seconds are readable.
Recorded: 1,43
